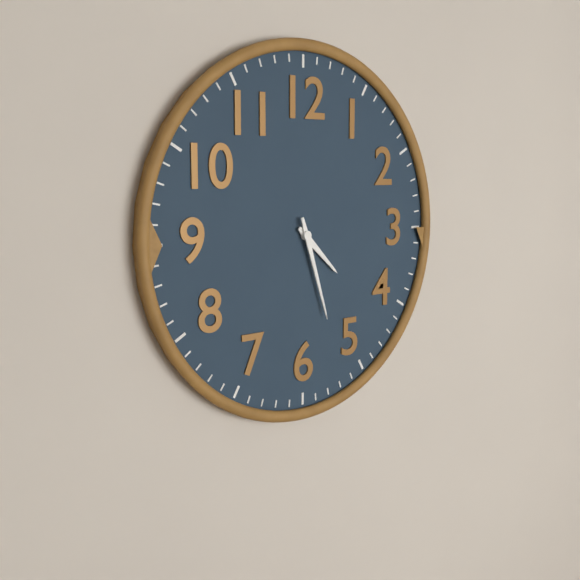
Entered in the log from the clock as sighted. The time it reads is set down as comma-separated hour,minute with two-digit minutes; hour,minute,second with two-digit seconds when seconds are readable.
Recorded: 4,27
